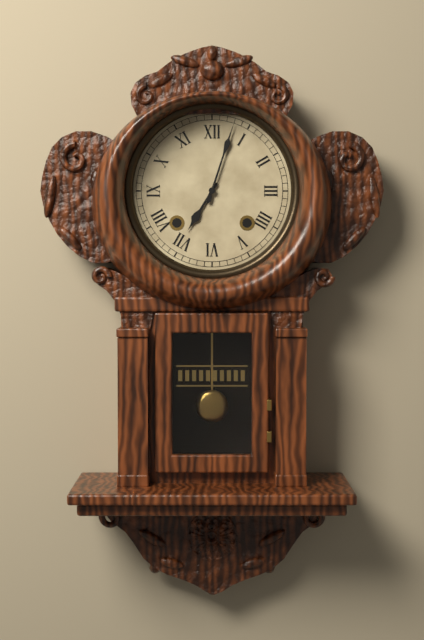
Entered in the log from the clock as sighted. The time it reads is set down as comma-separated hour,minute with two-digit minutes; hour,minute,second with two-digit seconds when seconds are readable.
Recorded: 7,03
